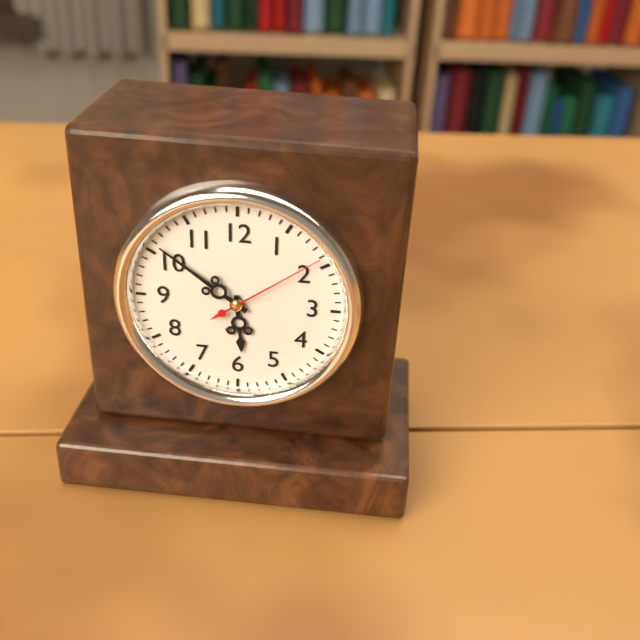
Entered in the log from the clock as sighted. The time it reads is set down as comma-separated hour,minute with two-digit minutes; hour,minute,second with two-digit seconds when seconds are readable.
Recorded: 5,51,09
